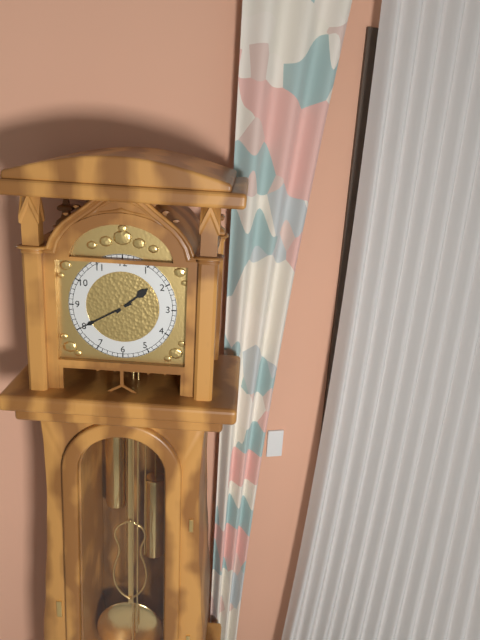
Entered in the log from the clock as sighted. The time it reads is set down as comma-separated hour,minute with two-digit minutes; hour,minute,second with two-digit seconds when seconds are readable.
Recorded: 1,40
